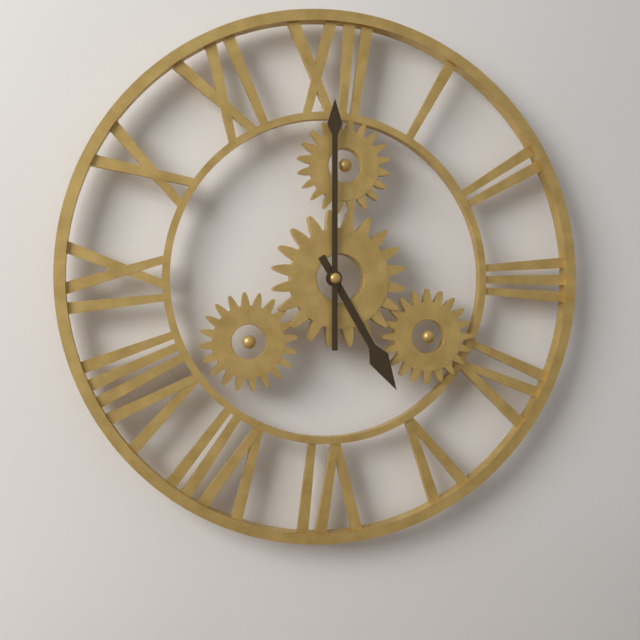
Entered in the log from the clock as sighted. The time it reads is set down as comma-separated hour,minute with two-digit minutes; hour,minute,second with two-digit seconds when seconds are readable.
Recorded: 5,00
